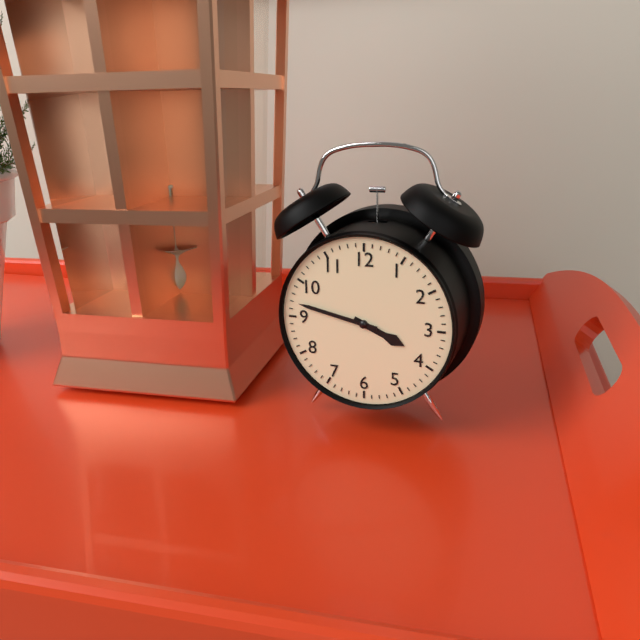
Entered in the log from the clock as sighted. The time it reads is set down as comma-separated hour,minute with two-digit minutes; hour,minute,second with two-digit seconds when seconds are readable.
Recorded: 3,47
